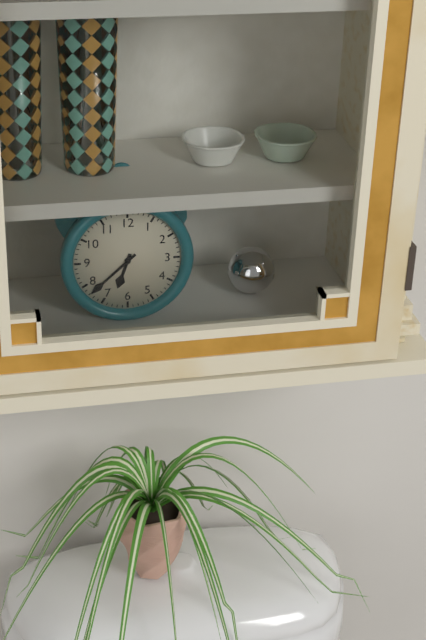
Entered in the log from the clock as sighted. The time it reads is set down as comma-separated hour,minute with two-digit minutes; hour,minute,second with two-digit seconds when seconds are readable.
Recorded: 6,38
